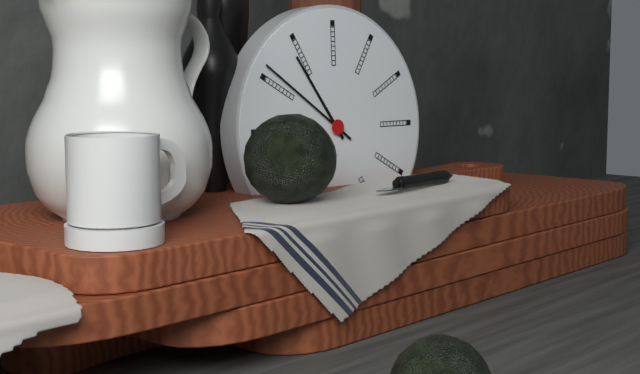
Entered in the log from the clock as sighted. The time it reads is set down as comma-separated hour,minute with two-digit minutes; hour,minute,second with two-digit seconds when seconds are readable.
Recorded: 10,51
